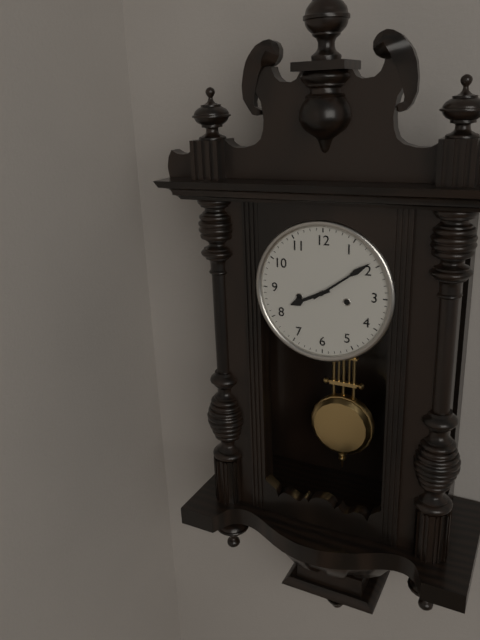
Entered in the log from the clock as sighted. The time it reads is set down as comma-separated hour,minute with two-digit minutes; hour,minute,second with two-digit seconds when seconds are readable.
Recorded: 8,09
